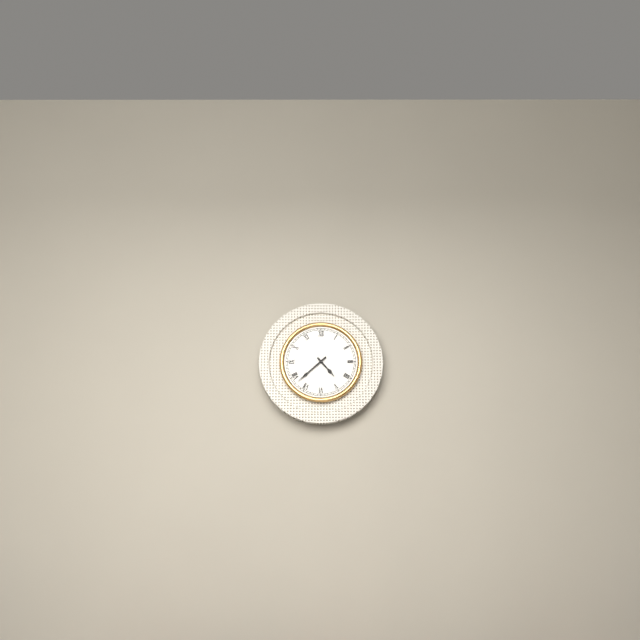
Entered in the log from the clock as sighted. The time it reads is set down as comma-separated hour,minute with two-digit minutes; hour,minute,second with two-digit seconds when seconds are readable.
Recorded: 4,38
